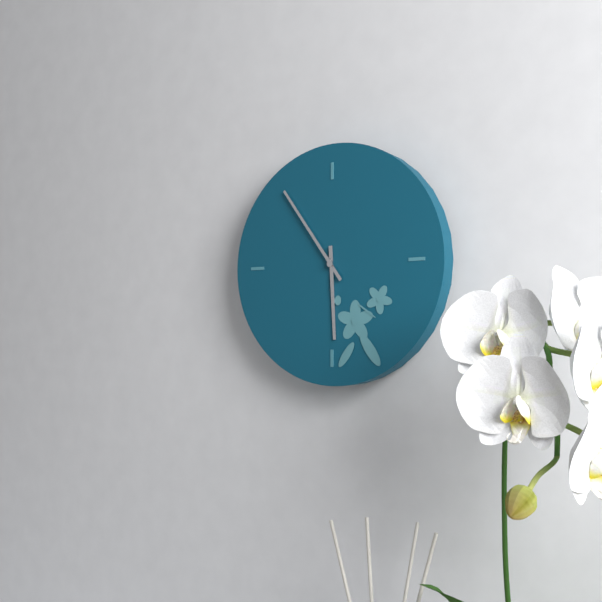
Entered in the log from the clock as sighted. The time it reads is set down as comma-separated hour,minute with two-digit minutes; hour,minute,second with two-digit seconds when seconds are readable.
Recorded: 5,54
